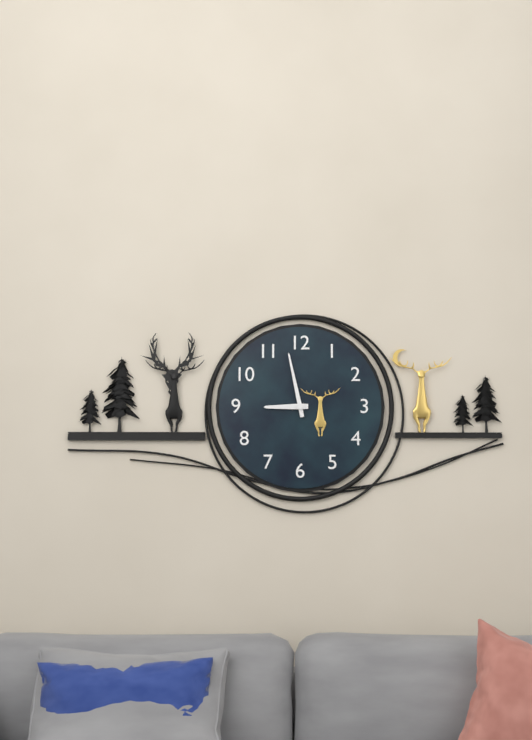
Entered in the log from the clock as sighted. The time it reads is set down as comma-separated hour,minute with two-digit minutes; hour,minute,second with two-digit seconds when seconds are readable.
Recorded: 8,58
